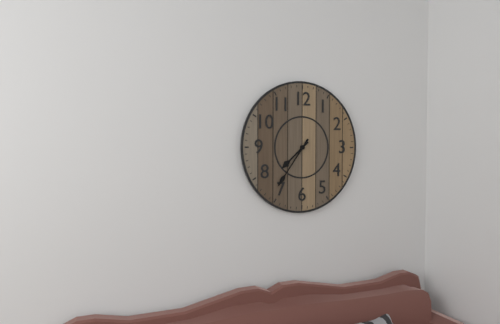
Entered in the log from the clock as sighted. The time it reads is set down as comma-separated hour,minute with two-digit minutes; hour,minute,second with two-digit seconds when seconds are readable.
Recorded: 7,36
